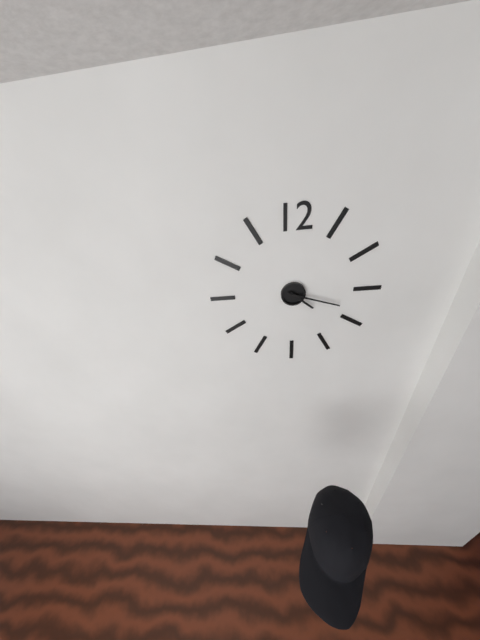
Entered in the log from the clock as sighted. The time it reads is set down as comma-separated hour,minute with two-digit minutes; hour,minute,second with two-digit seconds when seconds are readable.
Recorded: 4,18
